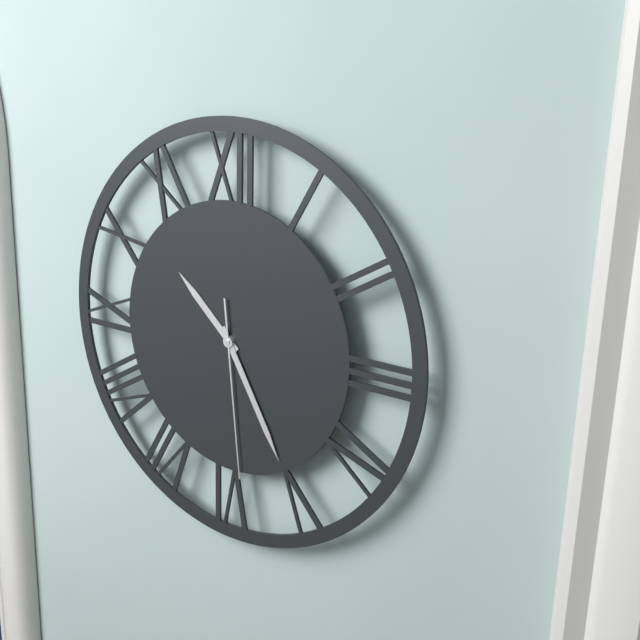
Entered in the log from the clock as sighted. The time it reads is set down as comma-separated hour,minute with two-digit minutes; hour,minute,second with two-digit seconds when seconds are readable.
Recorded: 10,25,29
